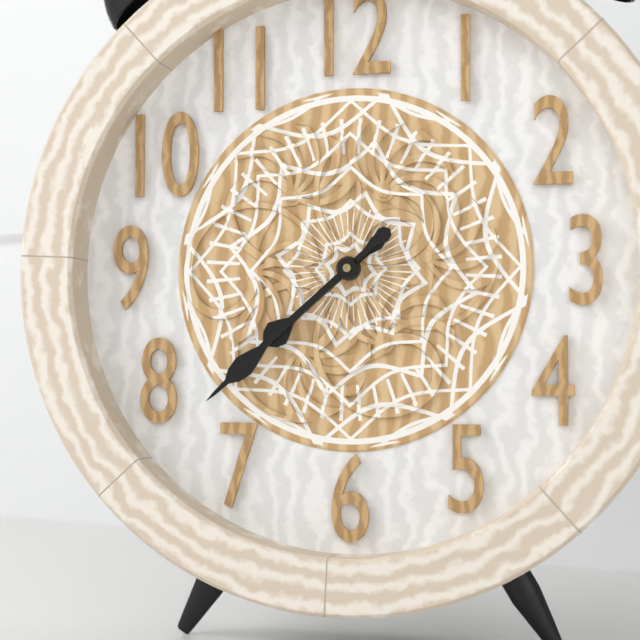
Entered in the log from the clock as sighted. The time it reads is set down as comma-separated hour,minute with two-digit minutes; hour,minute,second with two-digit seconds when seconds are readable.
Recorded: 7,38
